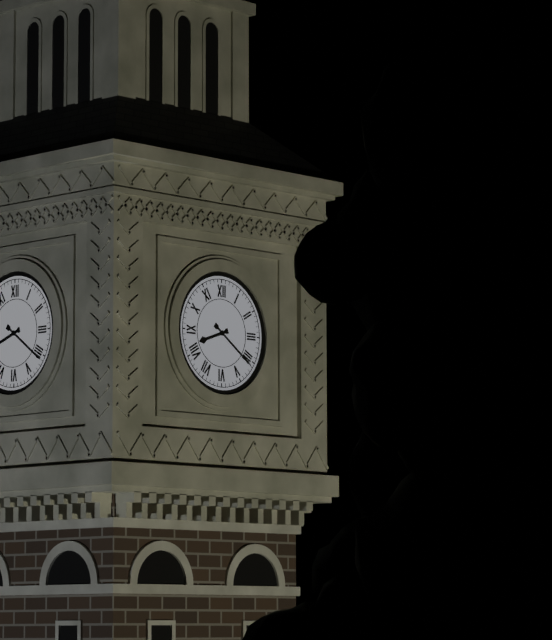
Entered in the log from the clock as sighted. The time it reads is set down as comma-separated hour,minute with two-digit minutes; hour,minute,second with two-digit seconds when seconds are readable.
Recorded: 8,21
